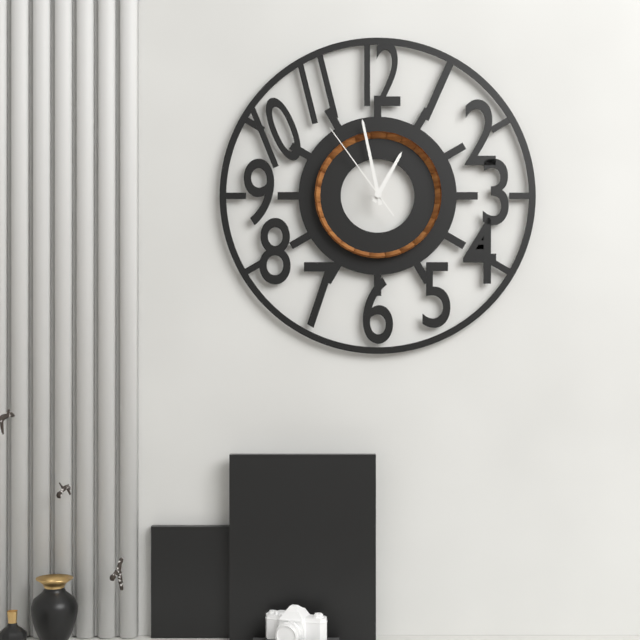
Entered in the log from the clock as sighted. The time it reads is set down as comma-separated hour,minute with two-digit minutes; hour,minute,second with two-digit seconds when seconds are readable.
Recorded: 12,58,54
